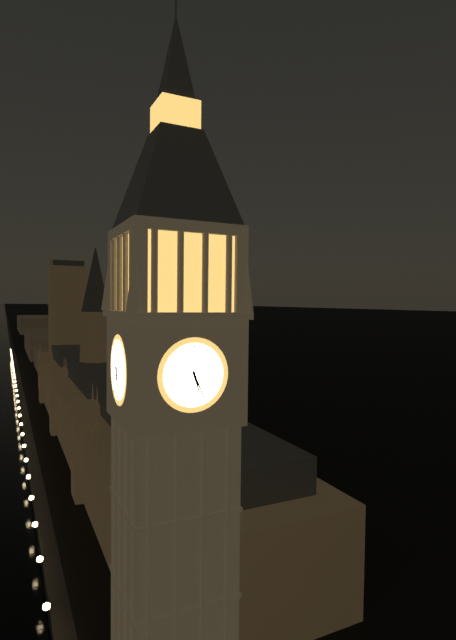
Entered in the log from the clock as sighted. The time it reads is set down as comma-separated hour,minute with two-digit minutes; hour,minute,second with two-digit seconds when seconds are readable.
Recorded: 5,26
